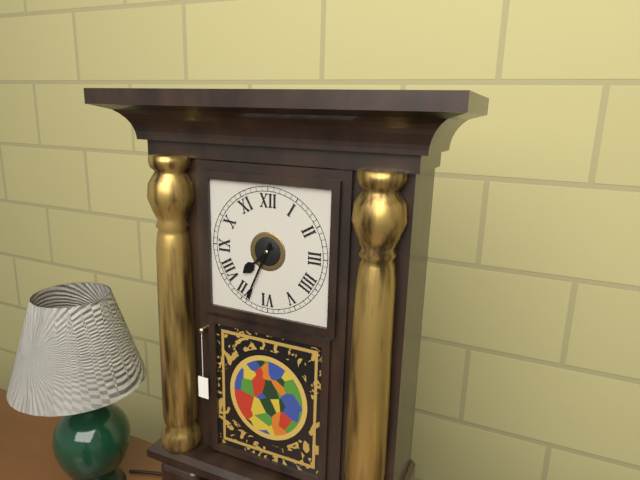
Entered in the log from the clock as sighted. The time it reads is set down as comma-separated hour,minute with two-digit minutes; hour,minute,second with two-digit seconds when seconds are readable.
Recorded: 7,34
